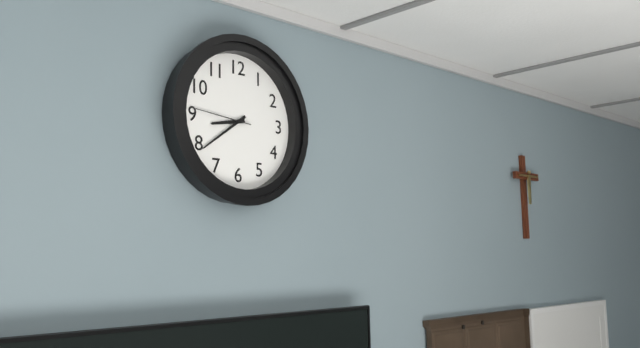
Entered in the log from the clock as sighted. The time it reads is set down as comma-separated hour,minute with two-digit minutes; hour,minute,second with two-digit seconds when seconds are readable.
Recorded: 8,39,46
